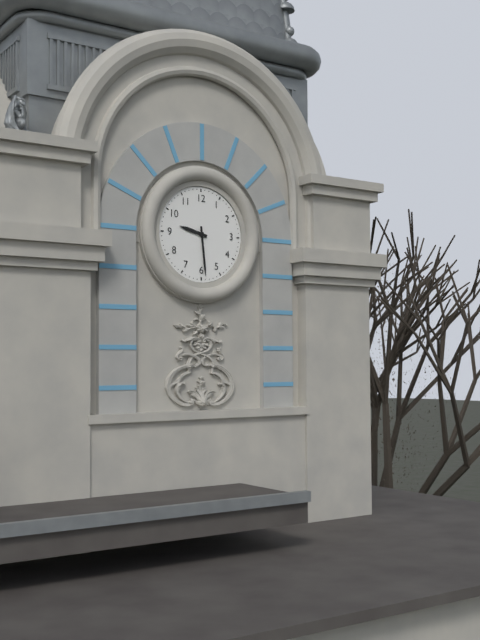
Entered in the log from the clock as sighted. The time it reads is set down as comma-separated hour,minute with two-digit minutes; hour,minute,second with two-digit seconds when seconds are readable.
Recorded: 9,29
